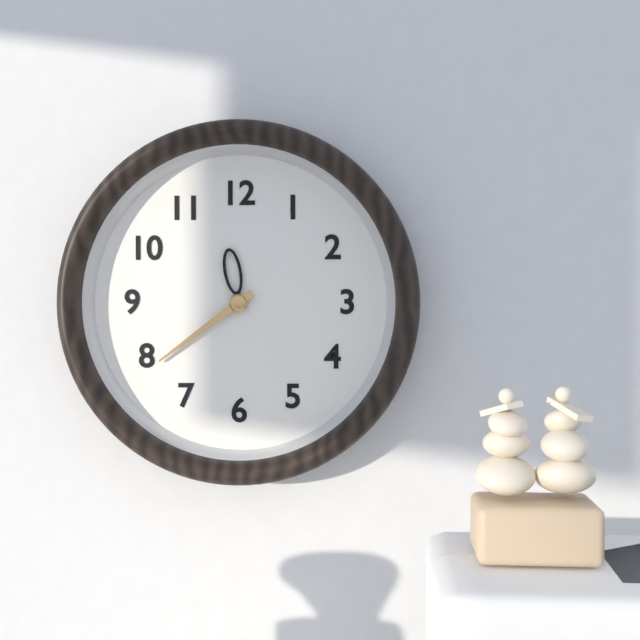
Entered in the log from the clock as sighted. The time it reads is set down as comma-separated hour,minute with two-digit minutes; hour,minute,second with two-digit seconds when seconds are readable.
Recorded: 11,39
